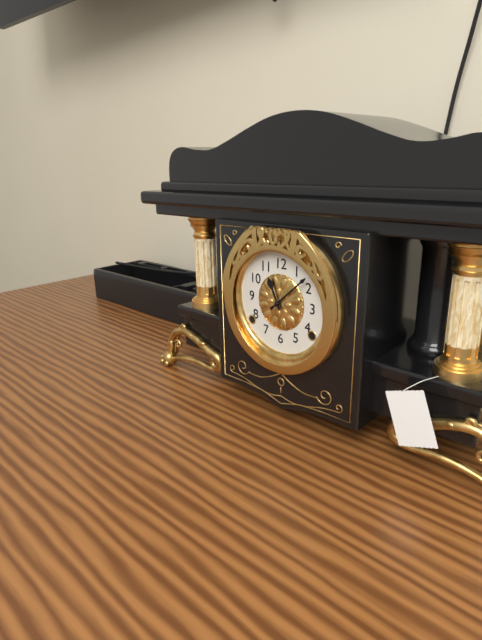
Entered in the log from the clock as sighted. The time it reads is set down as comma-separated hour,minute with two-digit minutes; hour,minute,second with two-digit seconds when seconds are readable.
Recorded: 11,08
